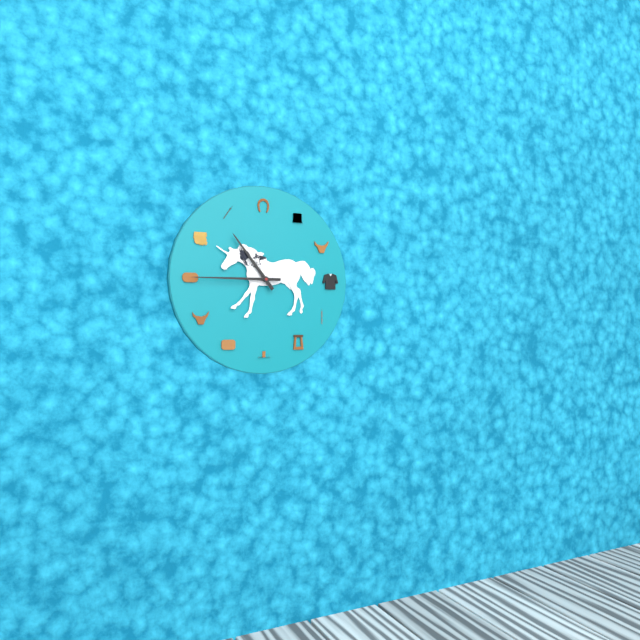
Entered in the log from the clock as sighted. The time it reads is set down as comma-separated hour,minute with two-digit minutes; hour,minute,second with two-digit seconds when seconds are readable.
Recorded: 10,45
